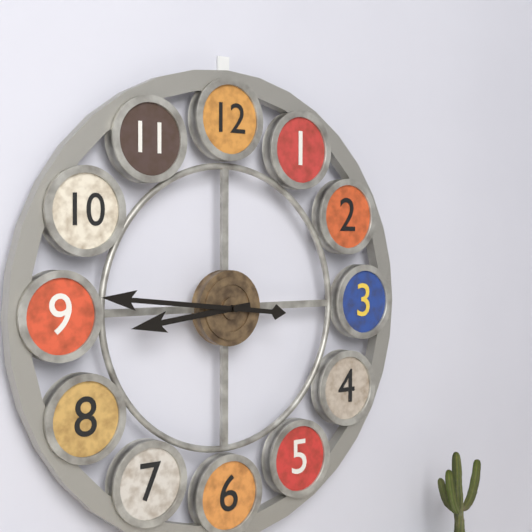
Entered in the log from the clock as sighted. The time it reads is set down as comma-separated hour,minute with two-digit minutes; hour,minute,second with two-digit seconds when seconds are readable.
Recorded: 8,46
